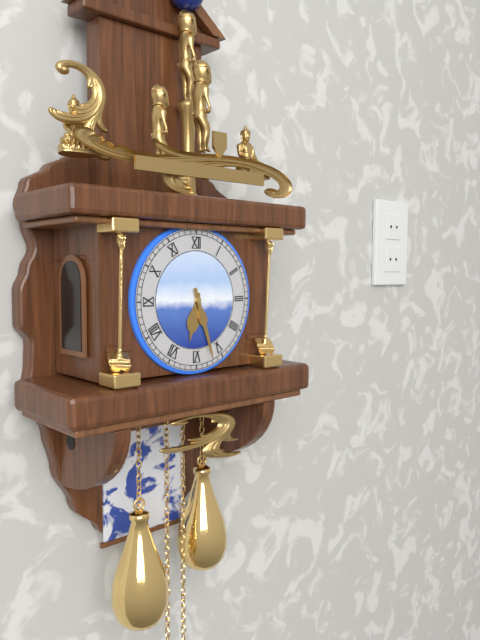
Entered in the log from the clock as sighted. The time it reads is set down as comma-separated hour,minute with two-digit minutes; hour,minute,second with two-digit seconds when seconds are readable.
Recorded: 6,27
